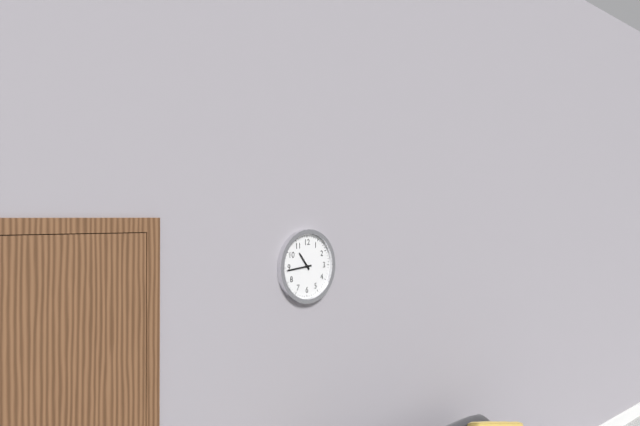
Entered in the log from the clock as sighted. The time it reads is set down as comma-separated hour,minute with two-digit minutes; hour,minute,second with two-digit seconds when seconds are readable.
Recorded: 10,44
